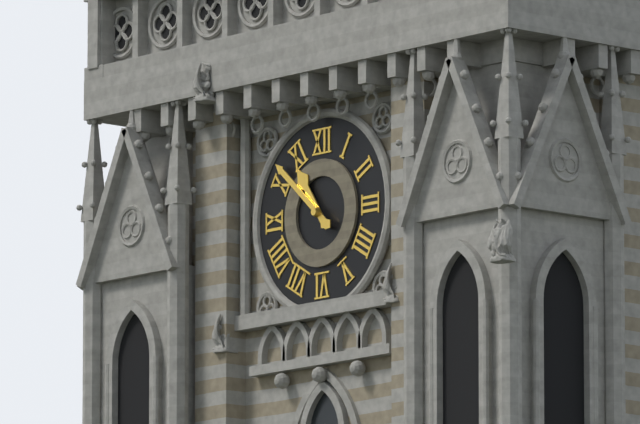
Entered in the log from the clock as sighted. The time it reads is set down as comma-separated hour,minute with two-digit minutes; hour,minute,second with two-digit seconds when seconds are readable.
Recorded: 10,52
